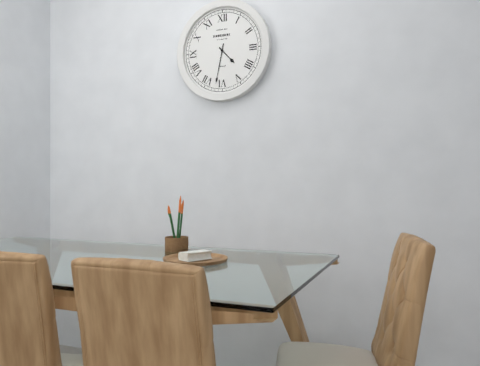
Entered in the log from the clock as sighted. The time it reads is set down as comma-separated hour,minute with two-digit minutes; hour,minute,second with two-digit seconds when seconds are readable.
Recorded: 4,32
